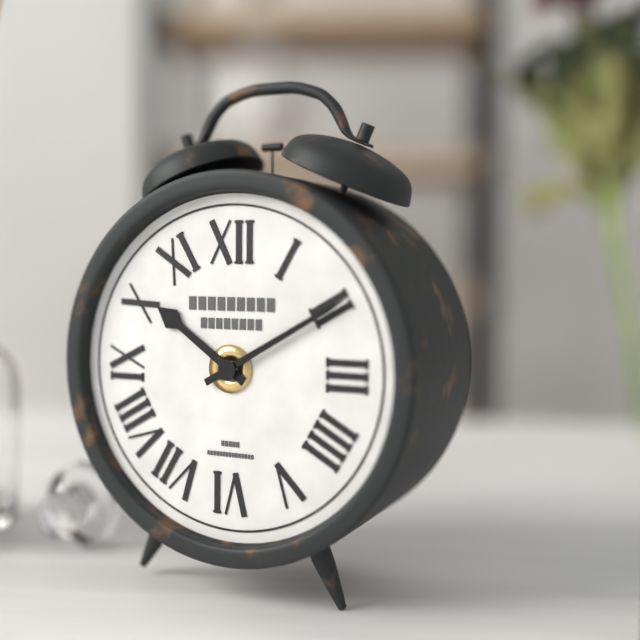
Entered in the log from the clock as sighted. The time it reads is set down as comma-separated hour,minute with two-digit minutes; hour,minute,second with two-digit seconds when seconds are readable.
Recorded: 10,10
